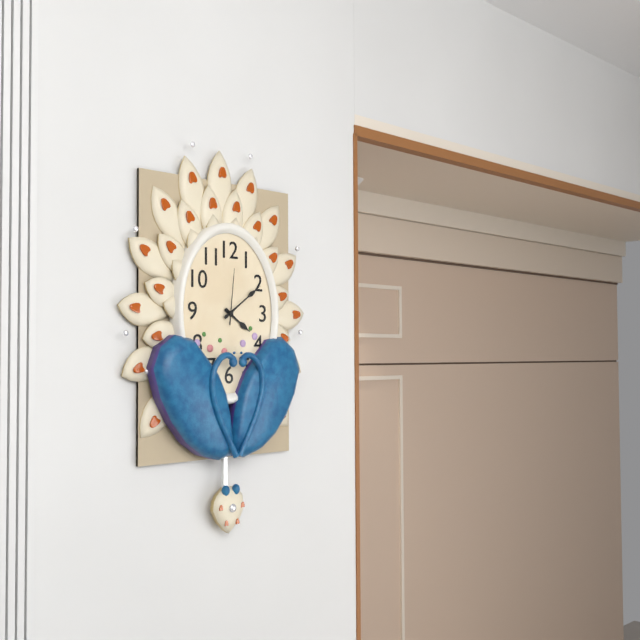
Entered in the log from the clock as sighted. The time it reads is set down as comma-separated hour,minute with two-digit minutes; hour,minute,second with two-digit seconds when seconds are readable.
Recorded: 4,09,01
